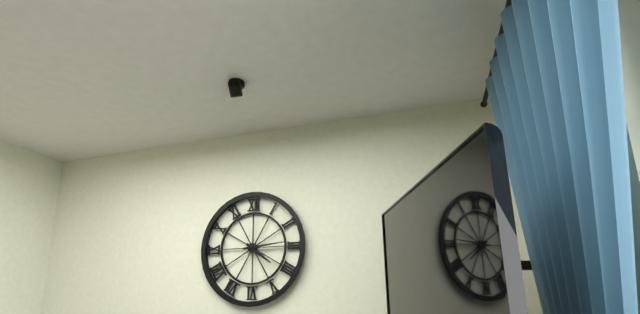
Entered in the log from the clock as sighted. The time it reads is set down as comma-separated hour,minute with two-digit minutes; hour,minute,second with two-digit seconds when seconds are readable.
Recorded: 4,14
